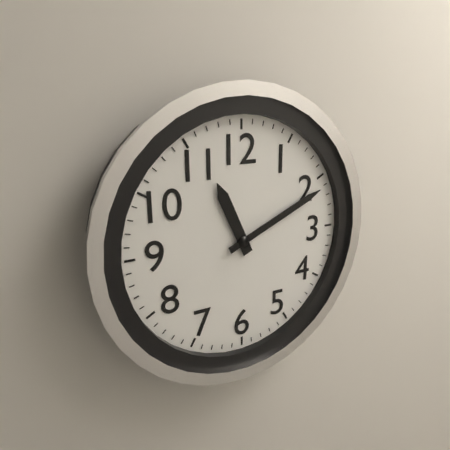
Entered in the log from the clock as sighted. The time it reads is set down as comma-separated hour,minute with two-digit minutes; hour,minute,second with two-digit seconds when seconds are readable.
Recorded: 11,11
